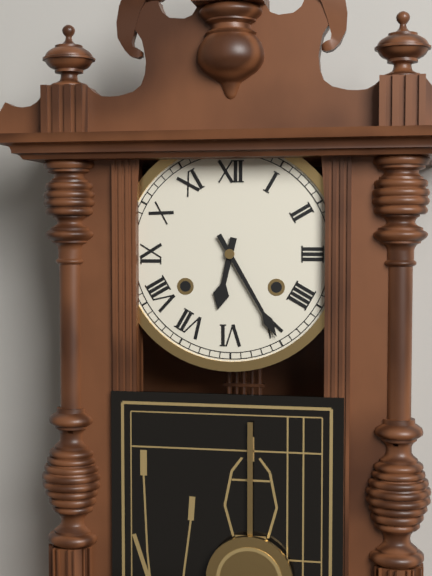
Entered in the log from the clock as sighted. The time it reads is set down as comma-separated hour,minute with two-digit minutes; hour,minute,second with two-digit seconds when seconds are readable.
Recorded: 6,25
